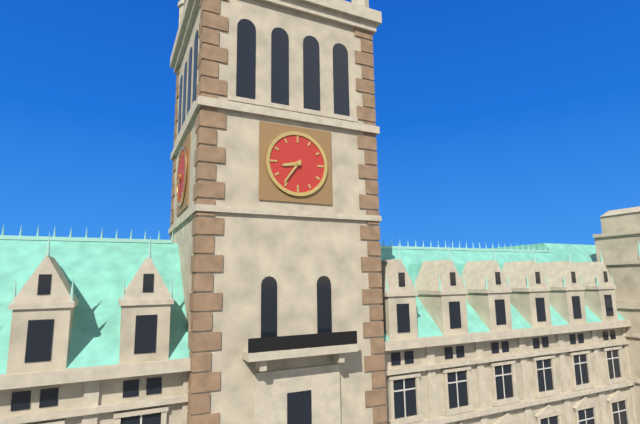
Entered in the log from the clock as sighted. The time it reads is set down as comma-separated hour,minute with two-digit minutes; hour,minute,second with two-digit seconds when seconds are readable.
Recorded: 8,36
